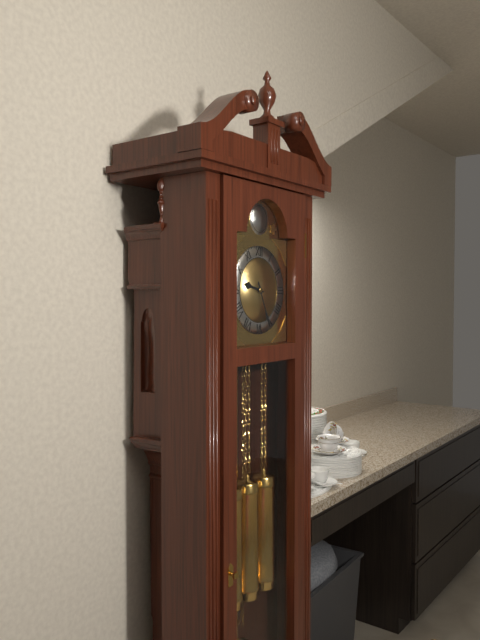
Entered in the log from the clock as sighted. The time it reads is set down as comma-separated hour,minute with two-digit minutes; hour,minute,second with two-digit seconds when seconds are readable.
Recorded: 9,26
